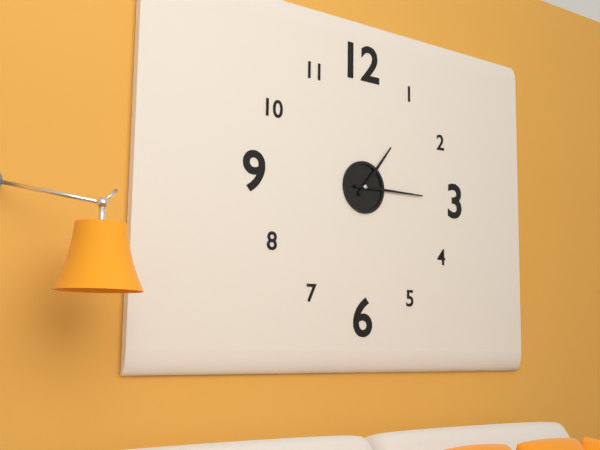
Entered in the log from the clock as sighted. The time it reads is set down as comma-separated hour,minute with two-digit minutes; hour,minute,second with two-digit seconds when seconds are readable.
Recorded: 1,15
